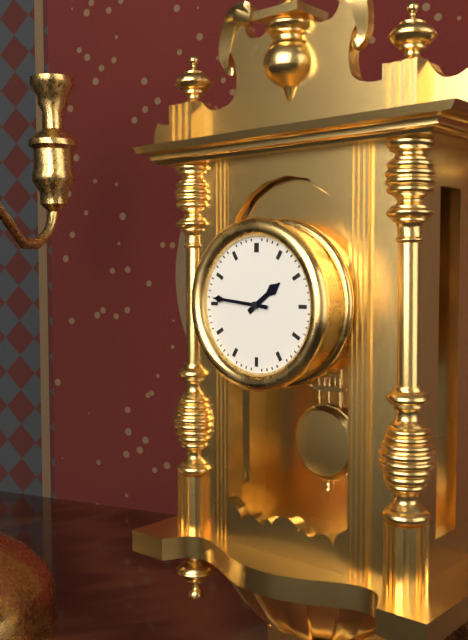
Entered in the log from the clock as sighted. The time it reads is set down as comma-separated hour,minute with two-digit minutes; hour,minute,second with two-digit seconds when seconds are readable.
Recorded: 1,46
